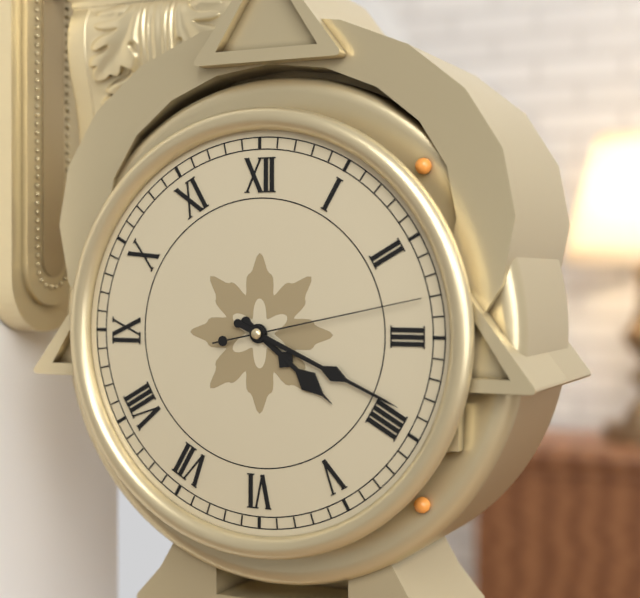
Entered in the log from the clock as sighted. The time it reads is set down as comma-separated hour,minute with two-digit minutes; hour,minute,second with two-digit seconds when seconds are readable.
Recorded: 4,19,13
